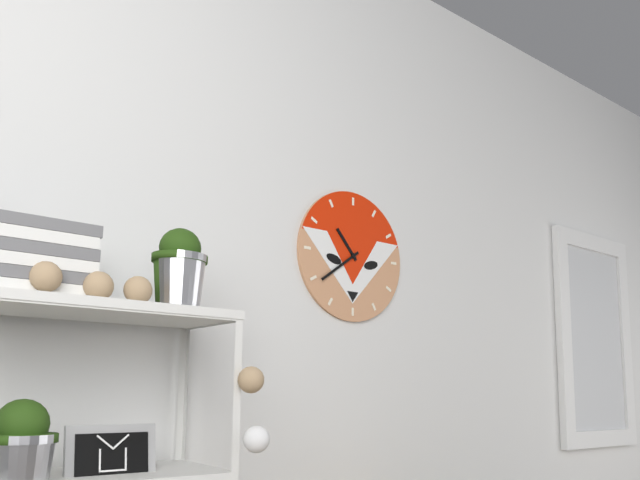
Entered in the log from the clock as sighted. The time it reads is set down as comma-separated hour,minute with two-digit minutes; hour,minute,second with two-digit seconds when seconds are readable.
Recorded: 10,39
